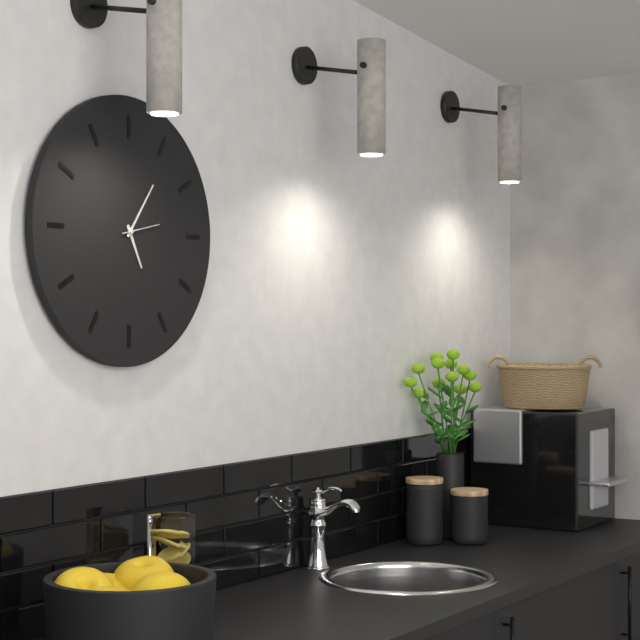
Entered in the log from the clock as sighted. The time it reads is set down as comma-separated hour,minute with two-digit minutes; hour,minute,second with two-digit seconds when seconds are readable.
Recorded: 5,06
